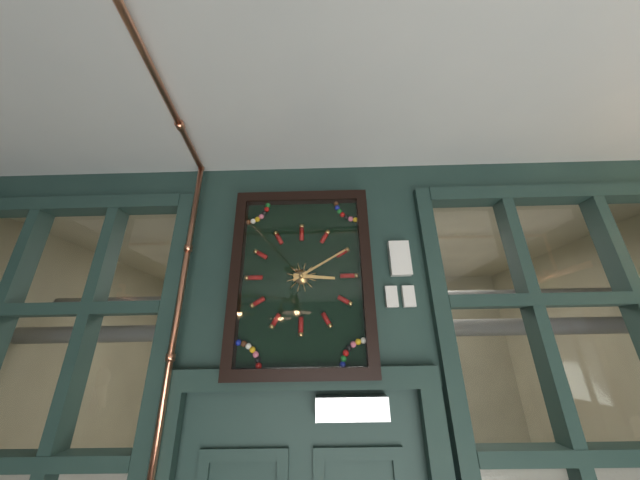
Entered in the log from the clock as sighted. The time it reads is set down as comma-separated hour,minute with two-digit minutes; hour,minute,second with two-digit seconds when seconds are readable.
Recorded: 3,10
